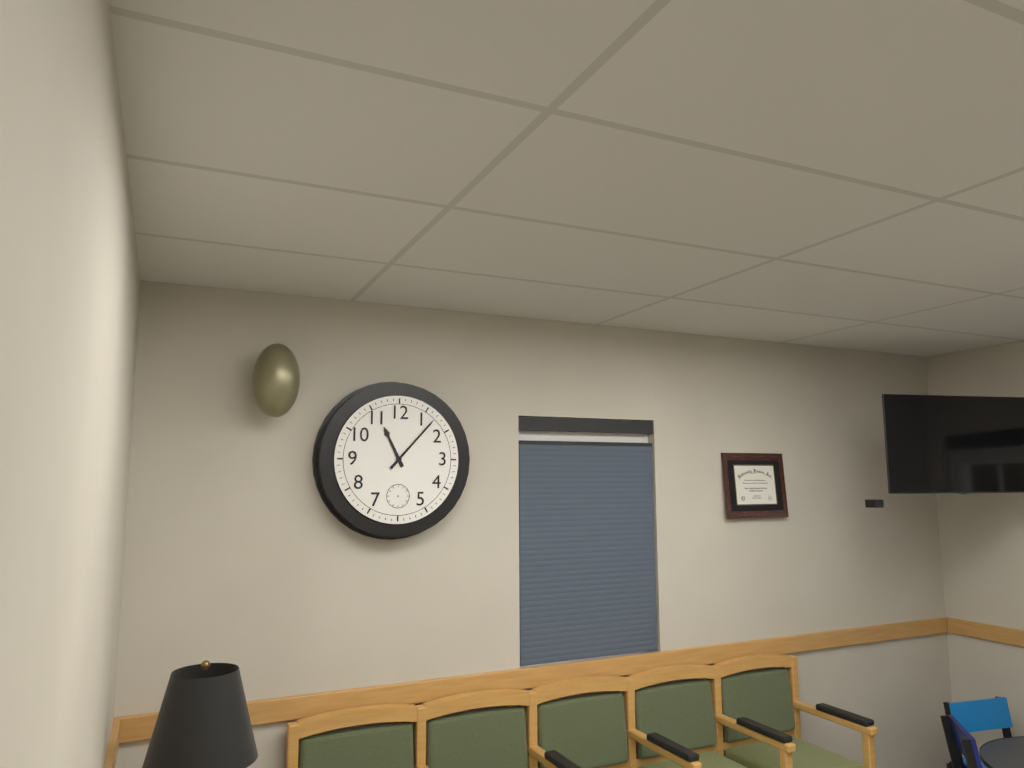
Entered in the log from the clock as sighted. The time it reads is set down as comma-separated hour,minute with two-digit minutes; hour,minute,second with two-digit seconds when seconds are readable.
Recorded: 11,07
